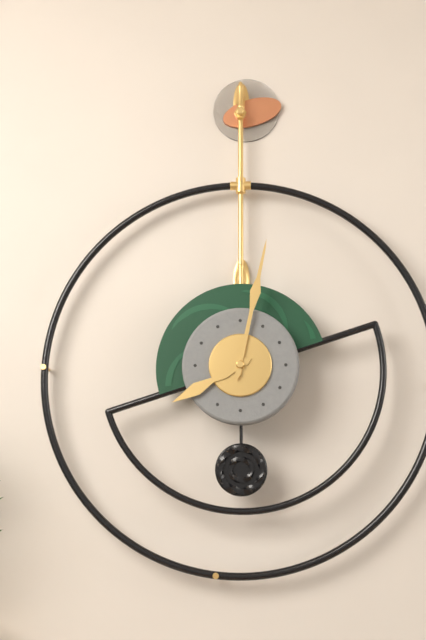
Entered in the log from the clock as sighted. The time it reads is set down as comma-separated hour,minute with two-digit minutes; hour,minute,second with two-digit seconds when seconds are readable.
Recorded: 8,02
